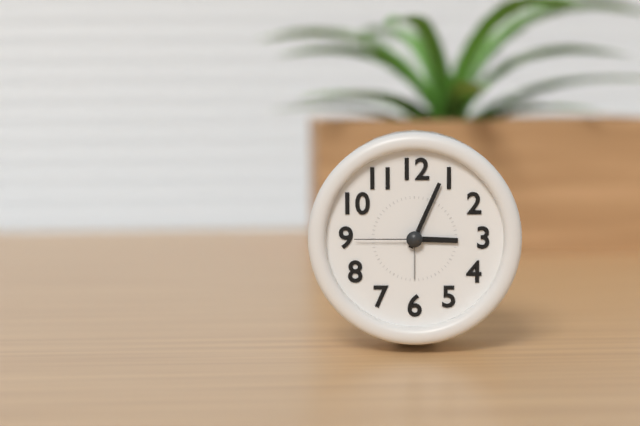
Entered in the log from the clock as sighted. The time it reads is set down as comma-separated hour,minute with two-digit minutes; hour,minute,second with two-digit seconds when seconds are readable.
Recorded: 3,04,45
